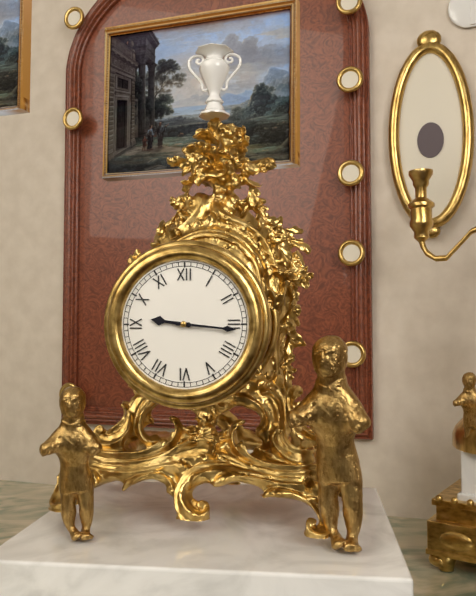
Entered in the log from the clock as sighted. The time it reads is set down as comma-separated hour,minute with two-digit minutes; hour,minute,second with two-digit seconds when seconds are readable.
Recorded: 9,16
